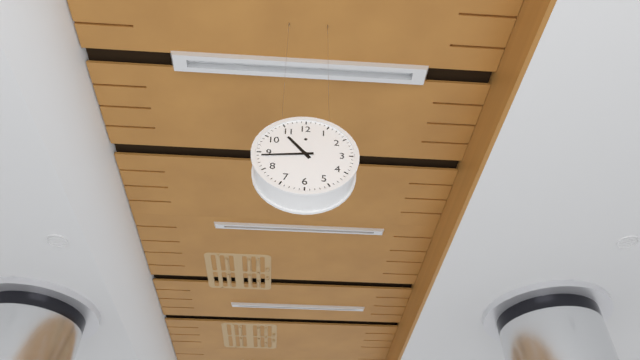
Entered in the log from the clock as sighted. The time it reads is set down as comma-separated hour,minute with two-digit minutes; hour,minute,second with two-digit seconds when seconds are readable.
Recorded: 10,44
